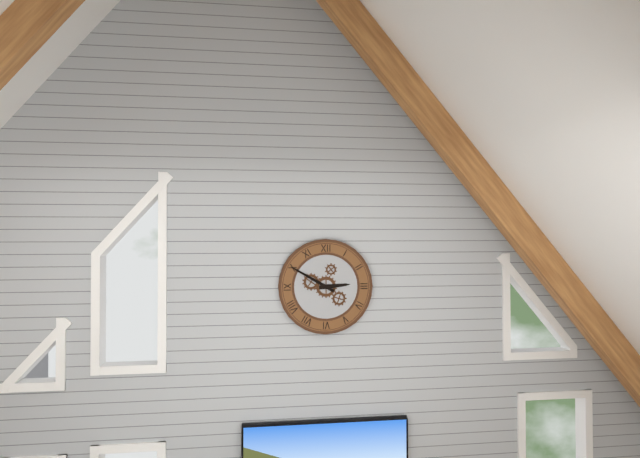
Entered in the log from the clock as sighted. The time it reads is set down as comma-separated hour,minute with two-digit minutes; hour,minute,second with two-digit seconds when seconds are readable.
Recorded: 2,50
